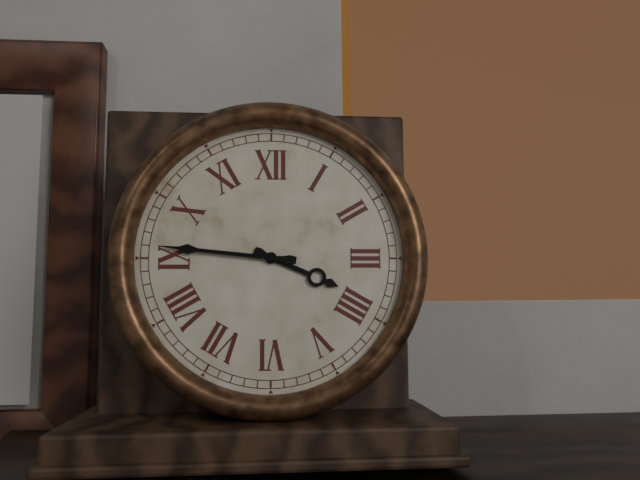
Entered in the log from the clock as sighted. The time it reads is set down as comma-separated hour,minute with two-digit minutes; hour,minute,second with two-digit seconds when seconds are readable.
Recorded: 3,46
